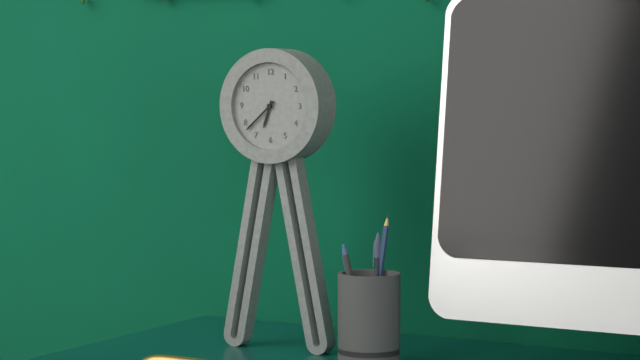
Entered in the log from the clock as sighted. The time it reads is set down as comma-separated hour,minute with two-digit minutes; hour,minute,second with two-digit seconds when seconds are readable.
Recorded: 6,38
